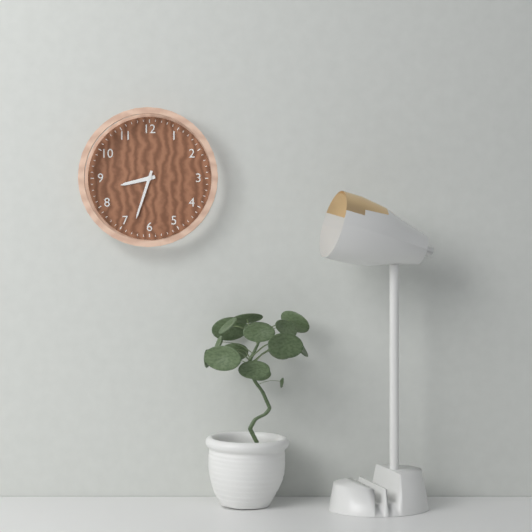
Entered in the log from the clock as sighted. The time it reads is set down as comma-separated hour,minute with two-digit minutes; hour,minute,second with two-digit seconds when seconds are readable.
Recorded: 8,33
